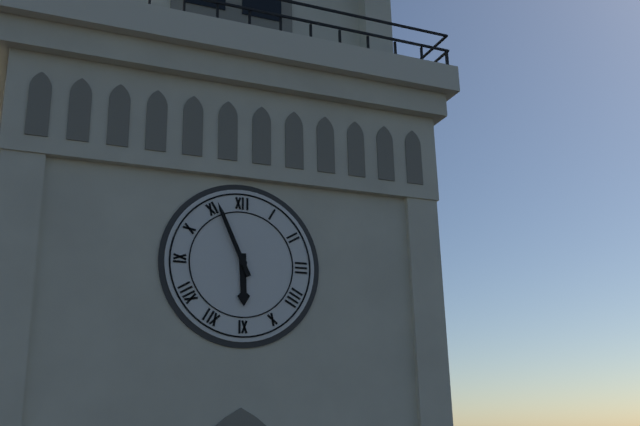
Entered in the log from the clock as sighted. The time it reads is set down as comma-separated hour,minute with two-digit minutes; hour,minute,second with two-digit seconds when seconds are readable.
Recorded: 5,56
